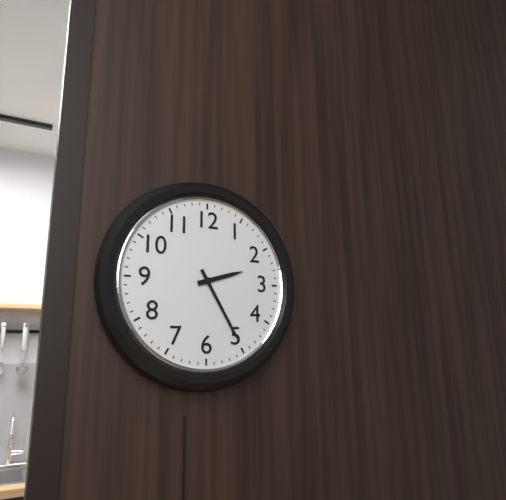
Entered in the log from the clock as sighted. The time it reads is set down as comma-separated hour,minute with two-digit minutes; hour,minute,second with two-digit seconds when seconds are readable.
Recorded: 2,25
